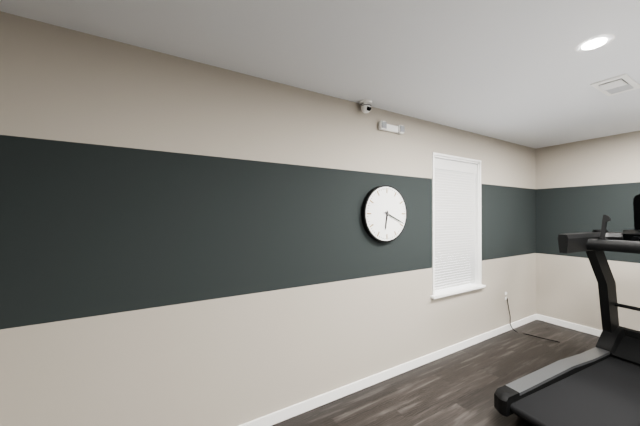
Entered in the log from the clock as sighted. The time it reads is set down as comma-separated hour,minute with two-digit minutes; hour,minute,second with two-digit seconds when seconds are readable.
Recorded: 6,19
